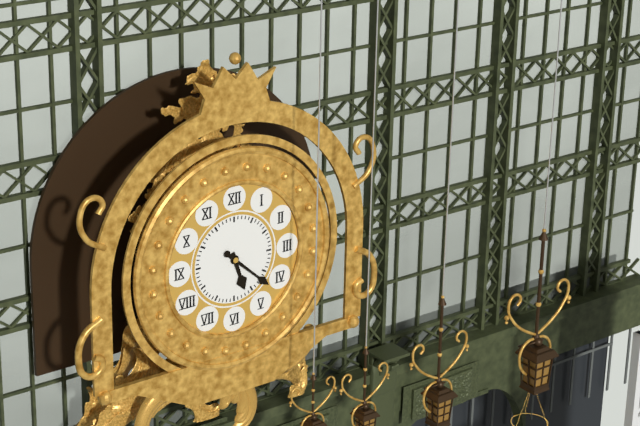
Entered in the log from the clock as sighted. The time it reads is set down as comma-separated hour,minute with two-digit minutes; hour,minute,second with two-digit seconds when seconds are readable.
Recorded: 5,22
